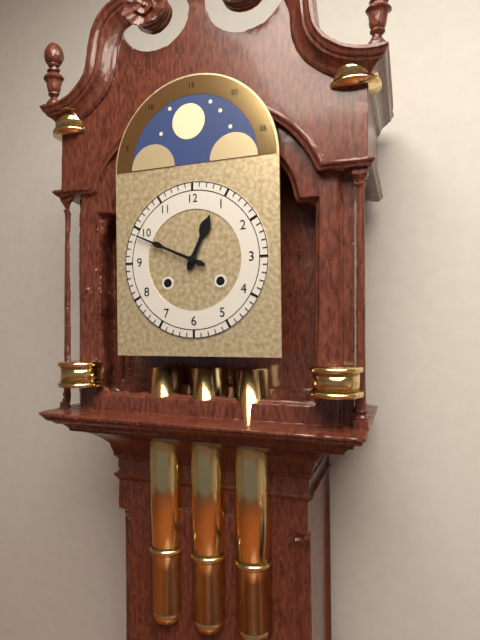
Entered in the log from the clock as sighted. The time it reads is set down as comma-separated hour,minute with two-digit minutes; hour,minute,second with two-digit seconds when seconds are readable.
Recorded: 12,49
